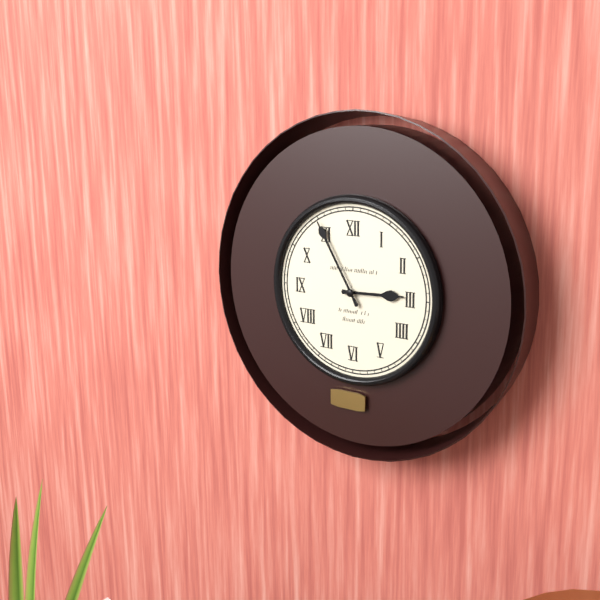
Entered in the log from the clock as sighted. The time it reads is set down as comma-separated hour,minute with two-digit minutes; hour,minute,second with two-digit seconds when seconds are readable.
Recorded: 2,55
